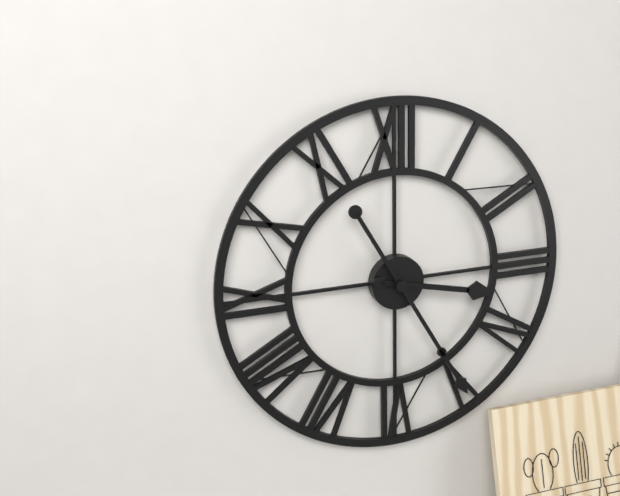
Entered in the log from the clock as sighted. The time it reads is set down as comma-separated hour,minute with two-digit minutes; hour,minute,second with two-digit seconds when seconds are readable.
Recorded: 3,25
